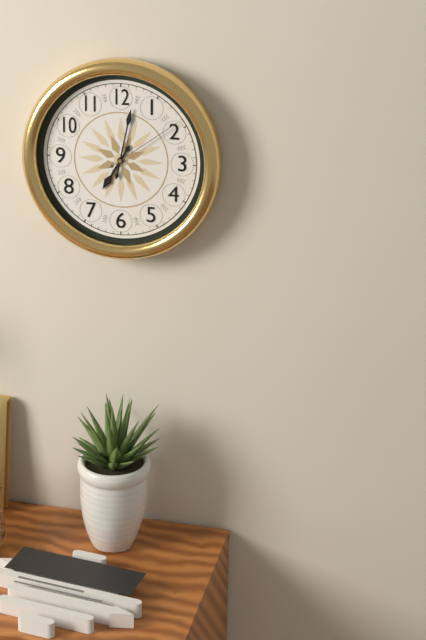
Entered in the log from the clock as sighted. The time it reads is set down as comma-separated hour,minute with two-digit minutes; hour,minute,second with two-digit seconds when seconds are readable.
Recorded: 7,02,09
